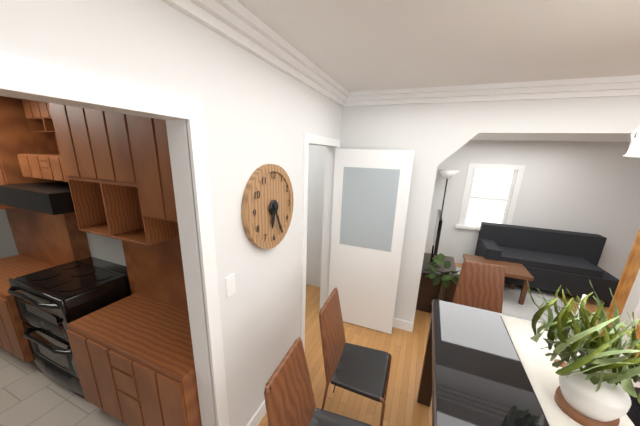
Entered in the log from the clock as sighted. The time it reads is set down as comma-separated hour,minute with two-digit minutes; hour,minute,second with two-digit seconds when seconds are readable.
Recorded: 6,26
